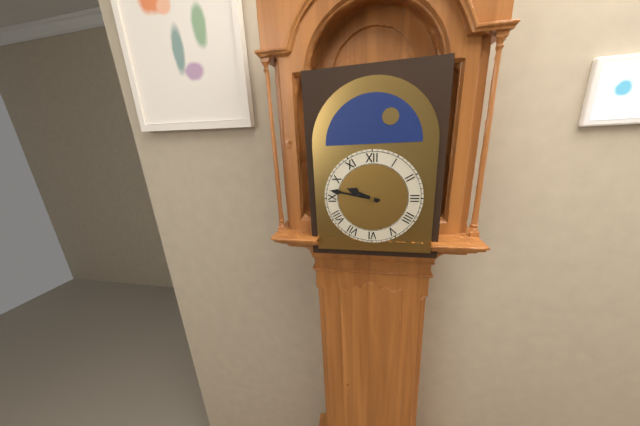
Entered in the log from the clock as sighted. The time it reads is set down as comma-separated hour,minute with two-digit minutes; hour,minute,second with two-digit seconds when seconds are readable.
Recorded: 9,47
